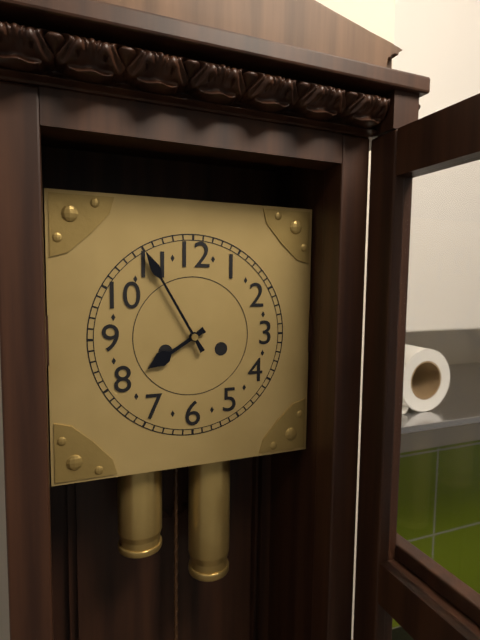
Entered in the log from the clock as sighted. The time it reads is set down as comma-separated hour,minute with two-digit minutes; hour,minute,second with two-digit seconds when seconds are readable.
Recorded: 7,55
